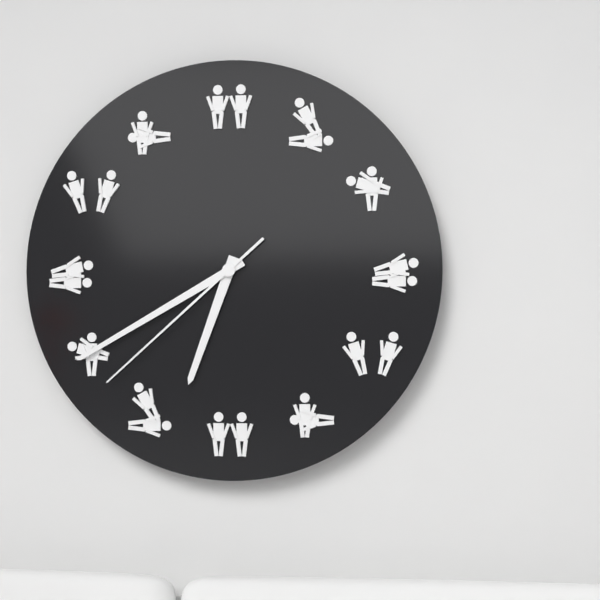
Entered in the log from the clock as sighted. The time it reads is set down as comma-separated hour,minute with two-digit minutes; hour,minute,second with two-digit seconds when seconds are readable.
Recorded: 6,40,38
